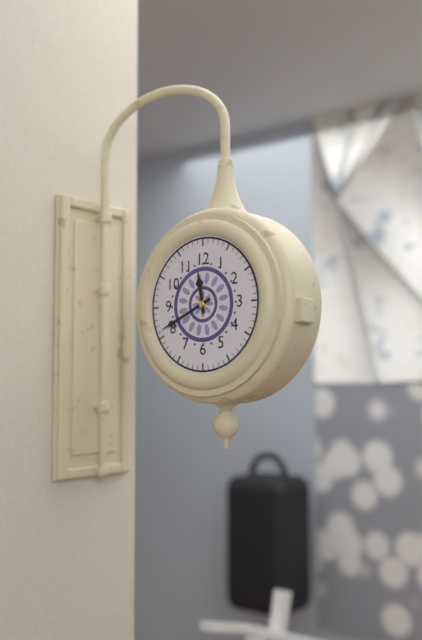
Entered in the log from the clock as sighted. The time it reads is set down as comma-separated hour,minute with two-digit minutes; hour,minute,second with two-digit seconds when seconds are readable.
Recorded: 11,41
